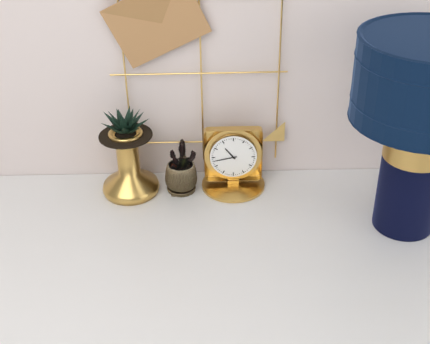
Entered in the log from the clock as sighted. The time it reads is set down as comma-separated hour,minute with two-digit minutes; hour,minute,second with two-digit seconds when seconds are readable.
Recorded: 10,43
